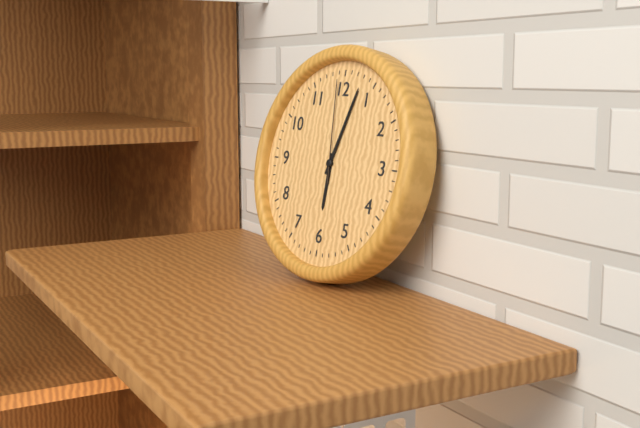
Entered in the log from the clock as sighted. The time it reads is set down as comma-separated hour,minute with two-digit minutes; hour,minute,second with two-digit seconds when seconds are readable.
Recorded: 6,03,59
